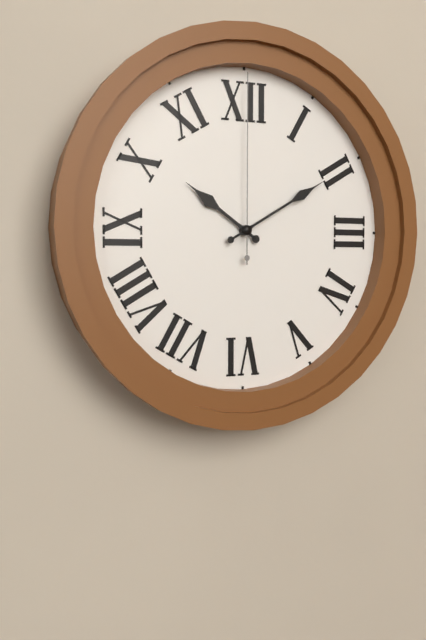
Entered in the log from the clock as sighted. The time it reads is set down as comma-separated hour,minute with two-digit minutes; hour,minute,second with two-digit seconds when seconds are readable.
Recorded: 10,10,00
